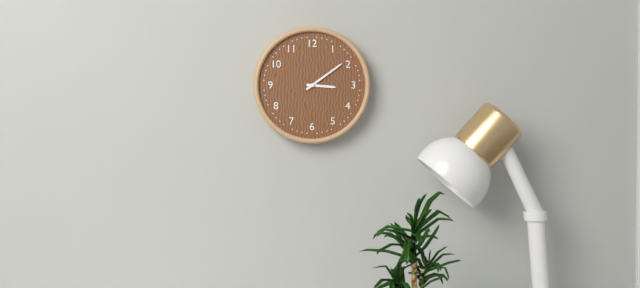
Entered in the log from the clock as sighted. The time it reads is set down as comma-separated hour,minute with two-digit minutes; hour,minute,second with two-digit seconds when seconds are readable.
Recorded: 3,09
